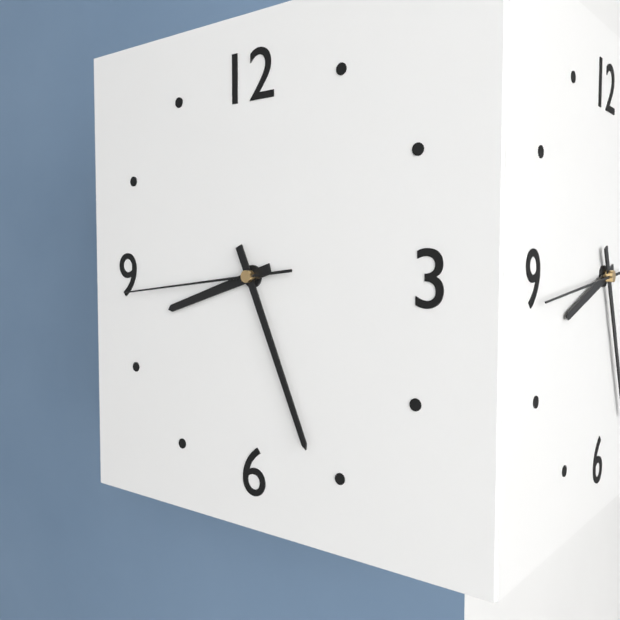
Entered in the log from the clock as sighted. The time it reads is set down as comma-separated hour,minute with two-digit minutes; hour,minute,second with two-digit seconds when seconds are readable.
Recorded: 8,26,44
